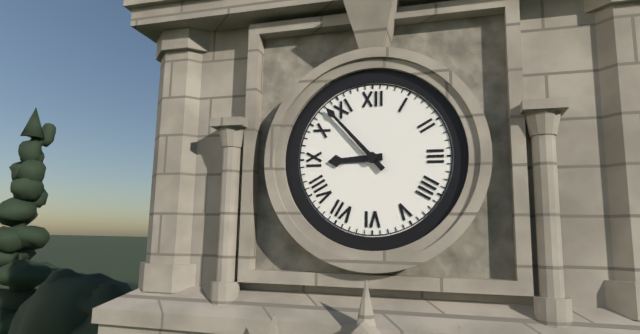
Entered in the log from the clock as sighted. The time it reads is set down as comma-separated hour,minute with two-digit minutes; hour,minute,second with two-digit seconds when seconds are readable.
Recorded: 8,53
